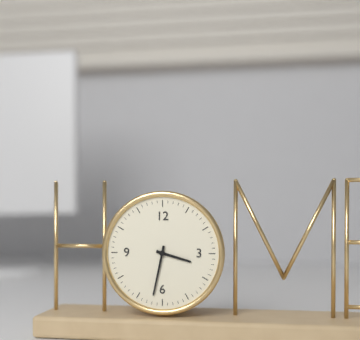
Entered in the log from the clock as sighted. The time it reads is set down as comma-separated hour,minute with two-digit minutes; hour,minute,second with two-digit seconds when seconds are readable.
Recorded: 3,32
